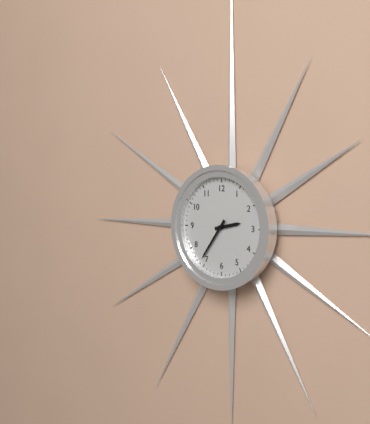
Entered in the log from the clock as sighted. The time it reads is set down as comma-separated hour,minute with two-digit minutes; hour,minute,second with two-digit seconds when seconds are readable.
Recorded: 2,36
